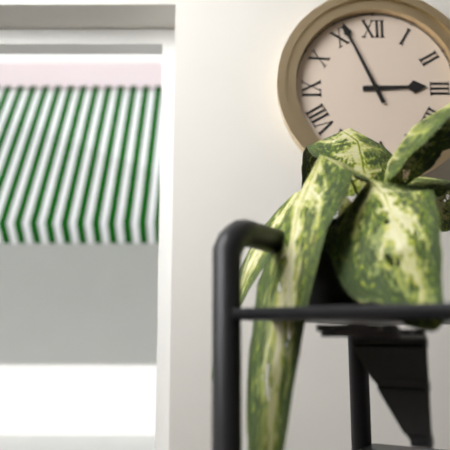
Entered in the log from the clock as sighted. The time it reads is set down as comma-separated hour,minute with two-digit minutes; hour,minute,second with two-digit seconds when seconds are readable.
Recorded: 2,56
